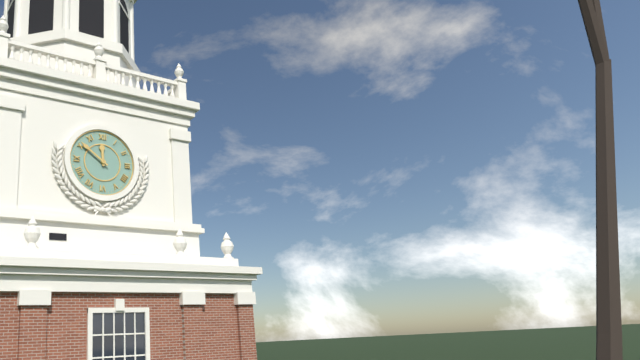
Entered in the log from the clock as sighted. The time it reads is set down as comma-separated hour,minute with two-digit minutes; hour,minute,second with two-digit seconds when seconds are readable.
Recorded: 11,51
